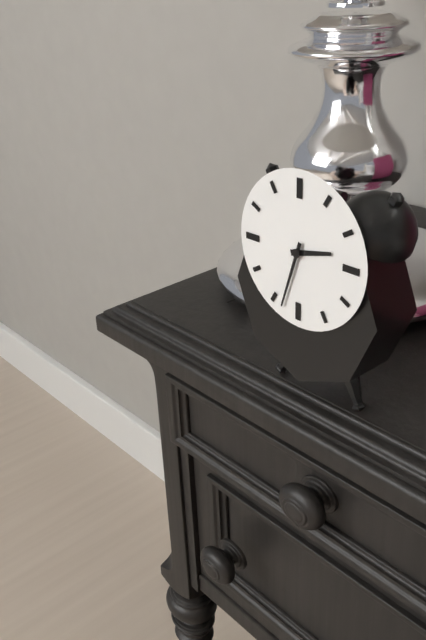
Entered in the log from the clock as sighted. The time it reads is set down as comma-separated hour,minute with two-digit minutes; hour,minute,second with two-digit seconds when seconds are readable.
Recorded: 2,33
